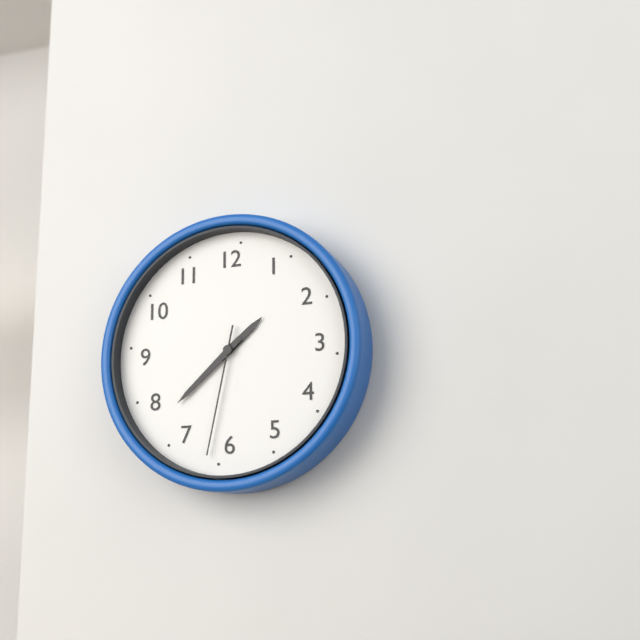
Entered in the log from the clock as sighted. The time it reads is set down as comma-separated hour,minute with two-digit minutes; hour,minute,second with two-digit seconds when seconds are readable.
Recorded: 1,38,32
